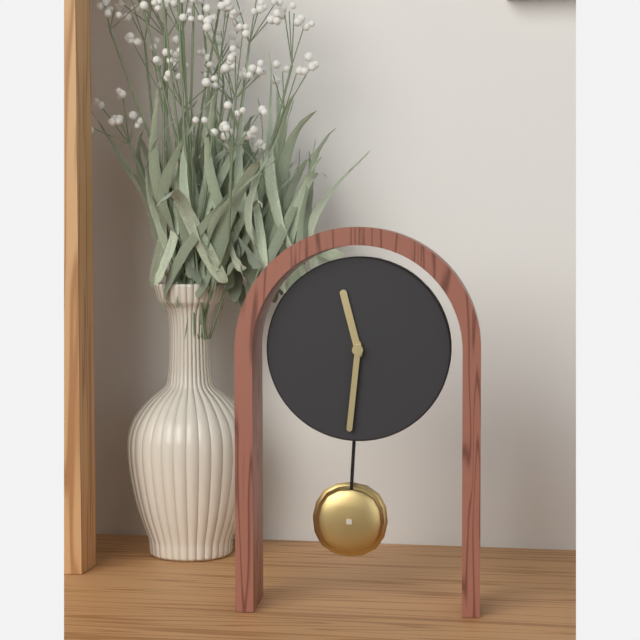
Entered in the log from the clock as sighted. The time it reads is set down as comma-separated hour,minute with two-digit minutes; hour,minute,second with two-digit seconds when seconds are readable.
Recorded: 11,31
